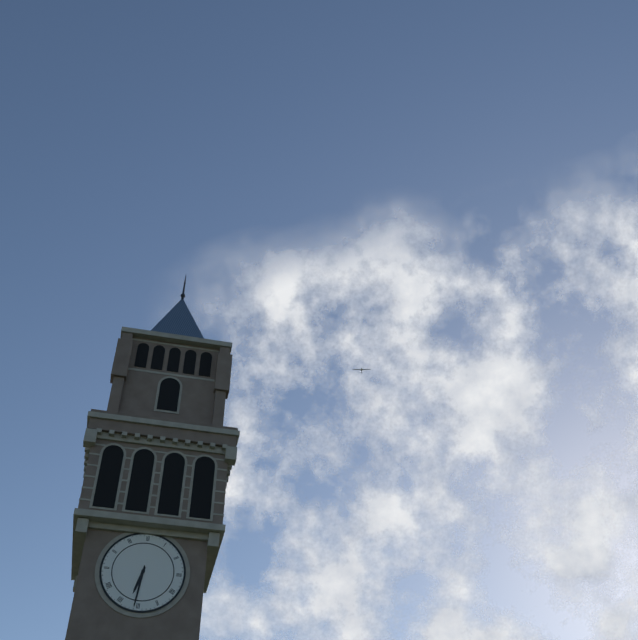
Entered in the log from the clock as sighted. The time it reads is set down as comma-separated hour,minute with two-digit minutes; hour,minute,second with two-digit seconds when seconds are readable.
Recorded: 6,31
